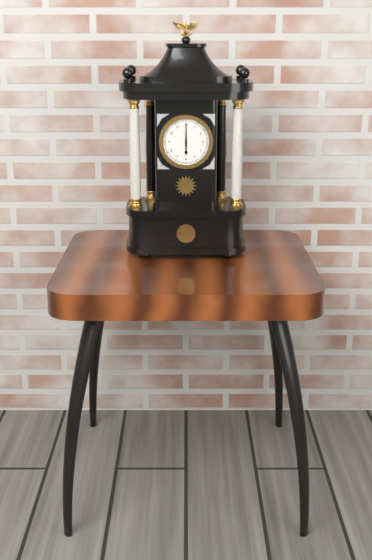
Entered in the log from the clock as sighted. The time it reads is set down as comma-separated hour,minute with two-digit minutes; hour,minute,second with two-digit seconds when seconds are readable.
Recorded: 6,00
